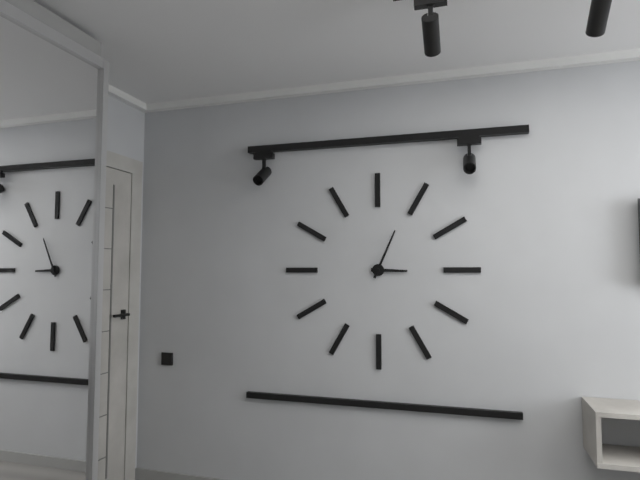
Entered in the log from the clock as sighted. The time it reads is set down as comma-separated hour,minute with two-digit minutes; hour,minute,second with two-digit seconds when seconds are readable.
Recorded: 3,04
